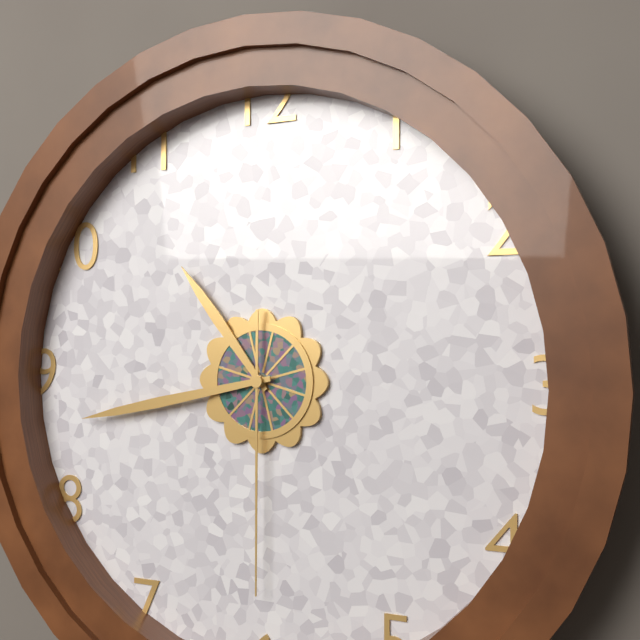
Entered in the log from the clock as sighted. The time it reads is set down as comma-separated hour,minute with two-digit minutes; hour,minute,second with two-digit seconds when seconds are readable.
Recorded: 10,43,30
